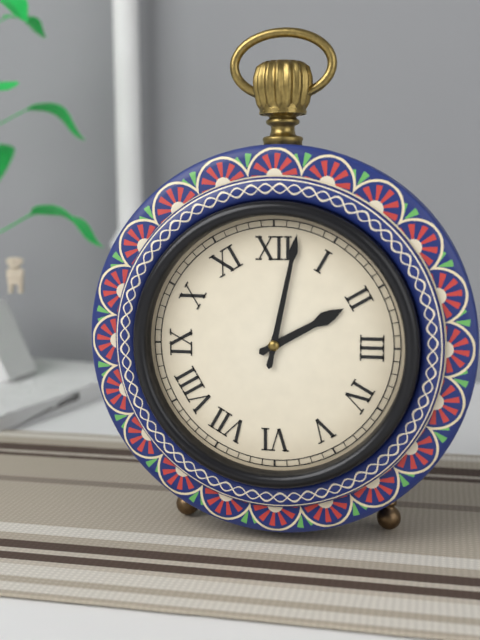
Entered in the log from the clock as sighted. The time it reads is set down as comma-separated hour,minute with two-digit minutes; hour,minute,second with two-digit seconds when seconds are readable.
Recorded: 2,02
